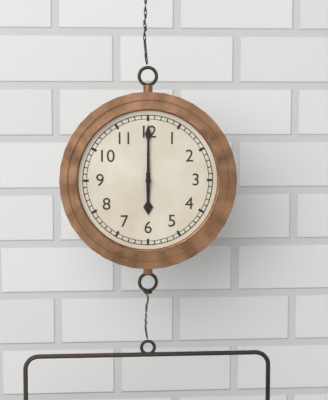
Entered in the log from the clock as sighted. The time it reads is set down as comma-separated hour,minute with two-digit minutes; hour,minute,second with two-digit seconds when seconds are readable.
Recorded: 6,00
